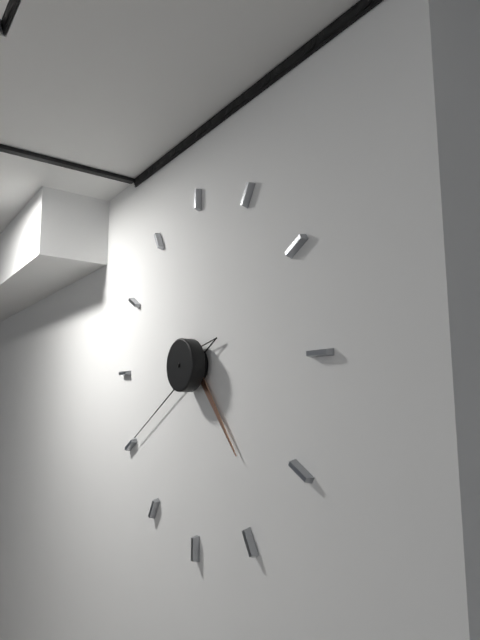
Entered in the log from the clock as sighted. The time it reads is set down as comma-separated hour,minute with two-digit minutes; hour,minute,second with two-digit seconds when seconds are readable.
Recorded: 4,40
